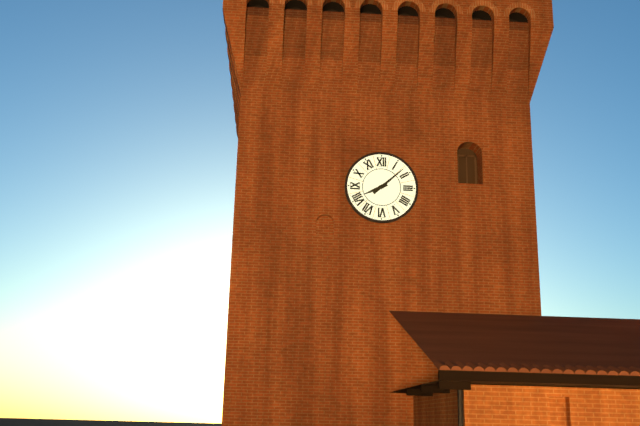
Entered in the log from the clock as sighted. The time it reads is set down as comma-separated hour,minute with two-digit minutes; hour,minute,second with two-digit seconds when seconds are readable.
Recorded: 8,08
